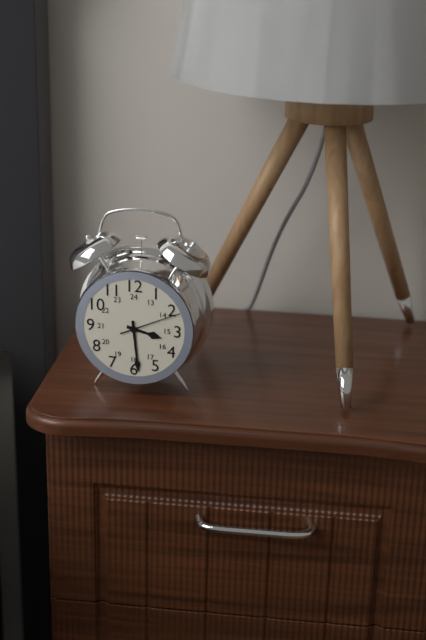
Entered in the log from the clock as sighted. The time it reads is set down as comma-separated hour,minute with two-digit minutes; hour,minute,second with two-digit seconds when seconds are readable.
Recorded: 3,29,11
